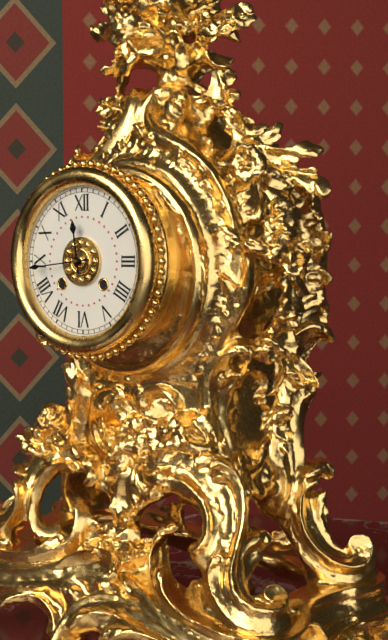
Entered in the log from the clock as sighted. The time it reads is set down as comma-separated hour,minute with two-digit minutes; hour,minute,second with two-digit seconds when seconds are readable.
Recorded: 11,44
